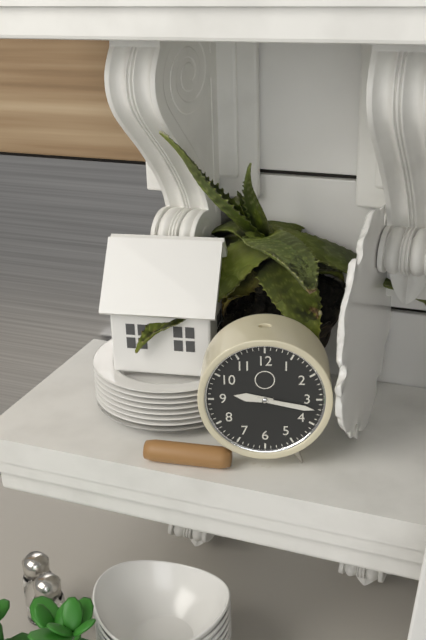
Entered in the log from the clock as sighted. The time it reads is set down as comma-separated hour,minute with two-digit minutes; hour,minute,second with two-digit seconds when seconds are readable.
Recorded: 9,17
